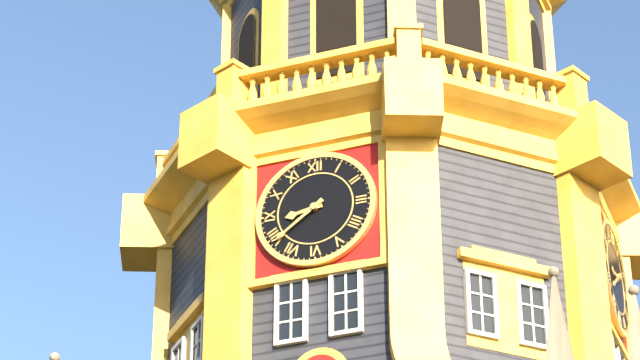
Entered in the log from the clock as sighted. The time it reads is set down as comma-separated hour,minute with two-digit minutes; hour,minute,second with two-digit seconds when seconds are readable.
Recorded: 8,39
